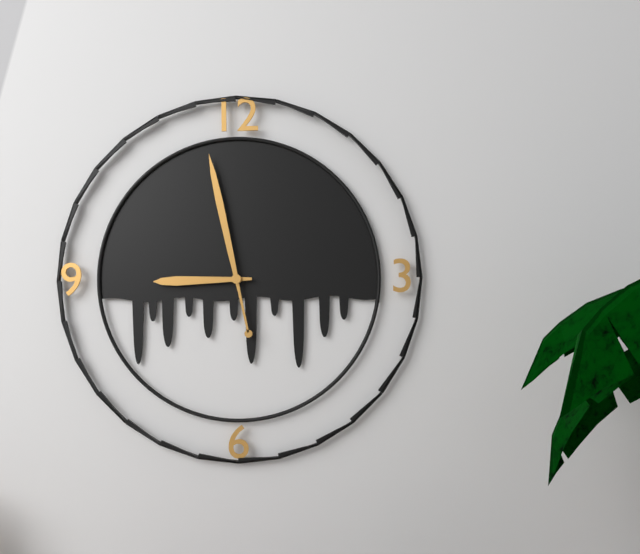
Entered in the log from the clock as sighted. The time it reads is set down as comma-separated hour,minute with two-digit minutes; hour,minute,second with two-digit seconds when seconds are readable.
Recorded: 8,58
